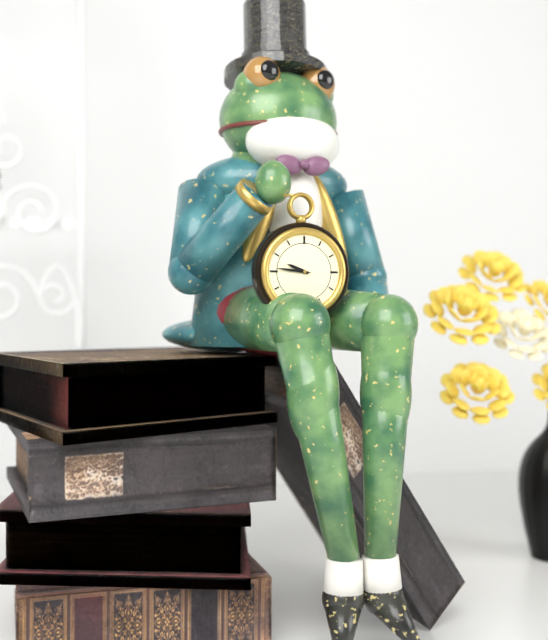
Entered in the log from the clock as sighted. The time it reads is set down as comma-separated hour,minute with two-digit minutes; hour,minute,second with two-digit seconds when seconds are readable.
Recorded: 9,46
